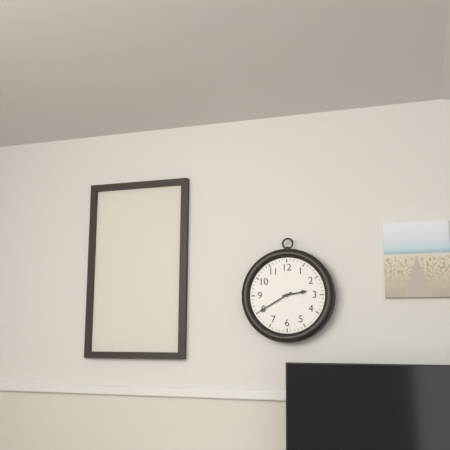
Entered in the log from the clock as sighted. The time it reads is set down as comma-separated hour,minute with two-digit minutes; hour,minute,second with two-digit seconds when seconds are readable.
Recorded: 2,40
